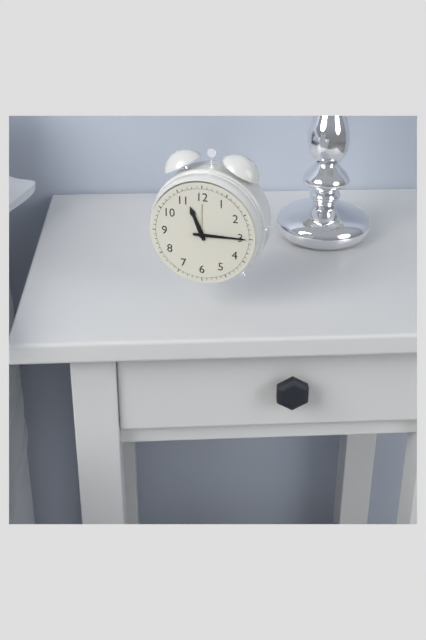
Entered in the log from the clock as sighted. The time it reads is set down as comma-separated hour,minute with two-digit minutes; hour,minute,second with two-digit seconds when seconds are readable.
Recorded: 11,15
